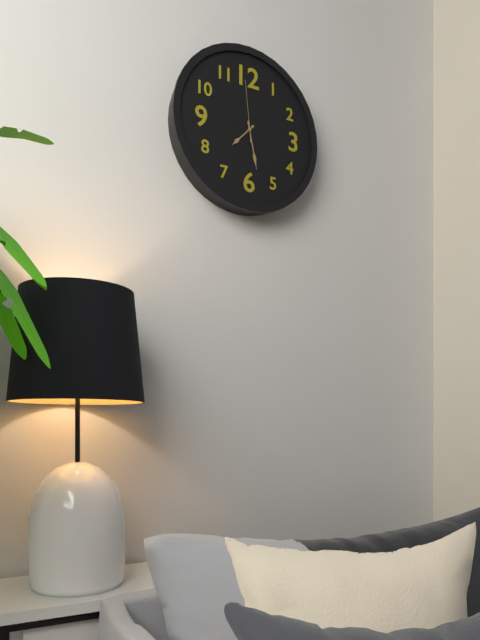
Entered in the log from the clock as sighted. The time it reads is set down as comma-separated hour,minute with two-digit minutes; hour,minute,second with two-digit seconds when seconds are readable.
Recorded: 7,28,59
